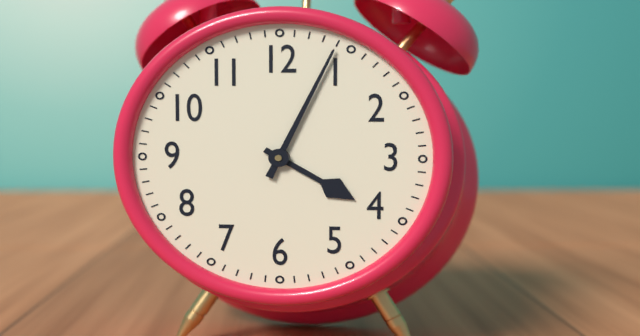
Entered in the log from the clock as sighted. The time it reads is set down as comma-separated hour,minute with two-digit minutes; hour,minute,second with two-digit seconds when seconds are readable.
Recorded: 4,04
